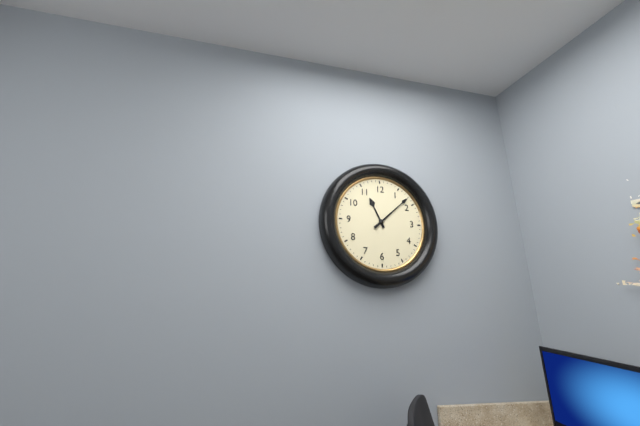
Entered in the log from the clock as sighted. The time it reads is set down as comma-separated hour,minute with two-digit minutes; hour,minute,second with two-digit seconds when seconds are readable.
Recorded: 11,08
